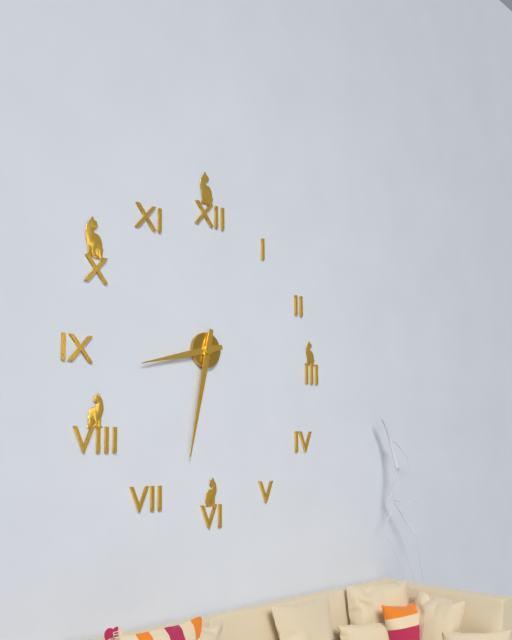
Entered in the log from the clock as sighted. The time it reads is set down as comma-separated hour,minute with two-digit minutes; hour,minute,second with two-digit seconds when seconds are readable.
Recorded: 8,32
